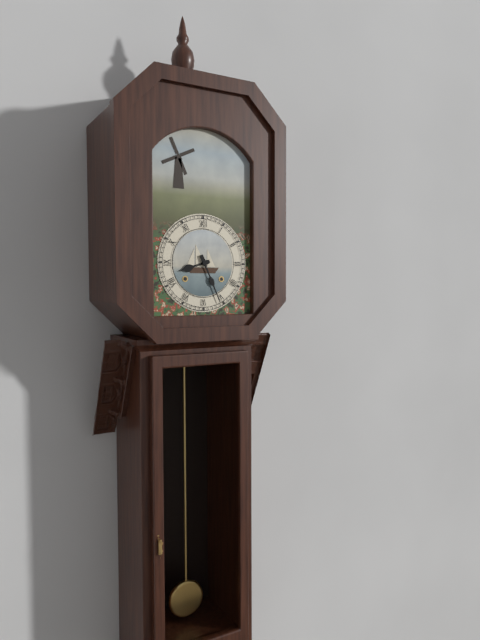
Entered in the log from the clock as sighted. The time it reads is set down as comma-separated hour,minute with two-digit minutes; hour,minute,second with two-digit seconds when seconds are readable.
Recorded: 8,26
